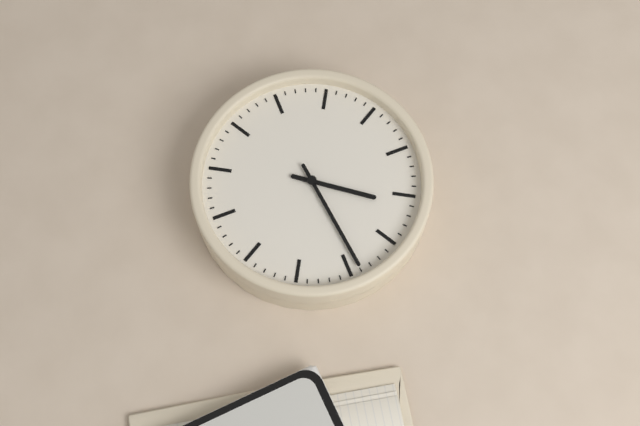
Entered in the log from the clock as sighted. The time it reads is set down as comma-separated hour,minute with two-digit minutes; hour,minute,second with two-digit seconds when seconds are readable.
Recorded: 1,14
